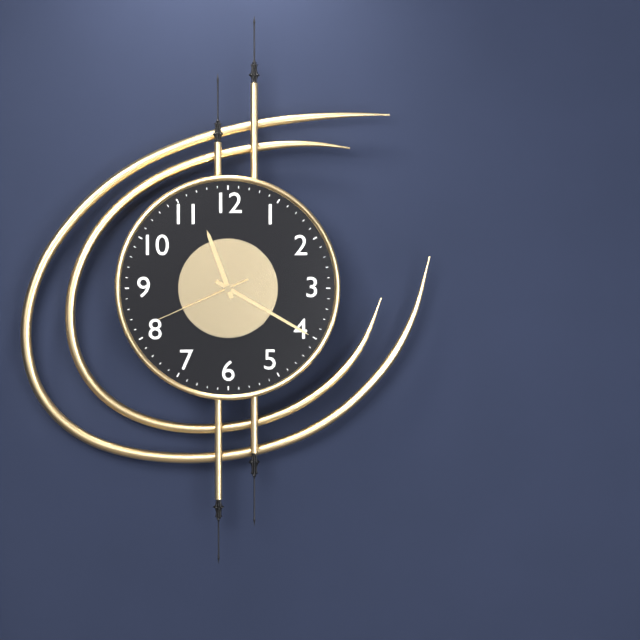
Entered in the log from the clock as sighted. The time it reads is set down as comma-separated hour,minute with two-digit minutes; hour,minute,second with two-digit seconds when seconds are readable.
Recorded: 11,20,41
